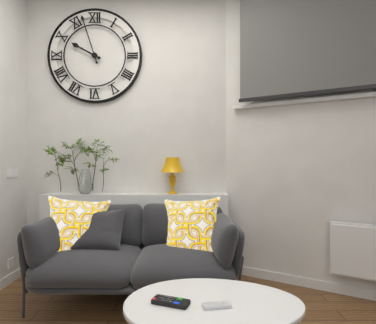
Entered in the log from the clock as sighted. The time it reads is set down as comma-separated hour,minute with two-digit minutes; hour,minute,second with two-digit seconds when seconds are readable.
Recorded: 9,57
